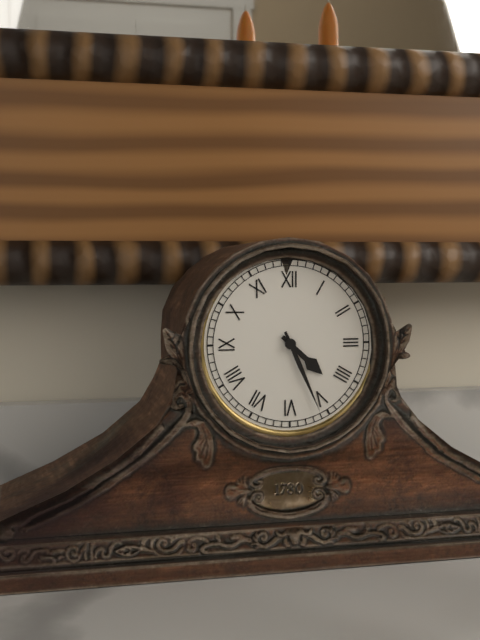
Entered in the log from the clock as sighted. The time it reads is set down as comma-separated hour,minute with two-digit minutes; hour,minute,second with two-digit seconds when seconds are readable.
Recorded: 4,26
